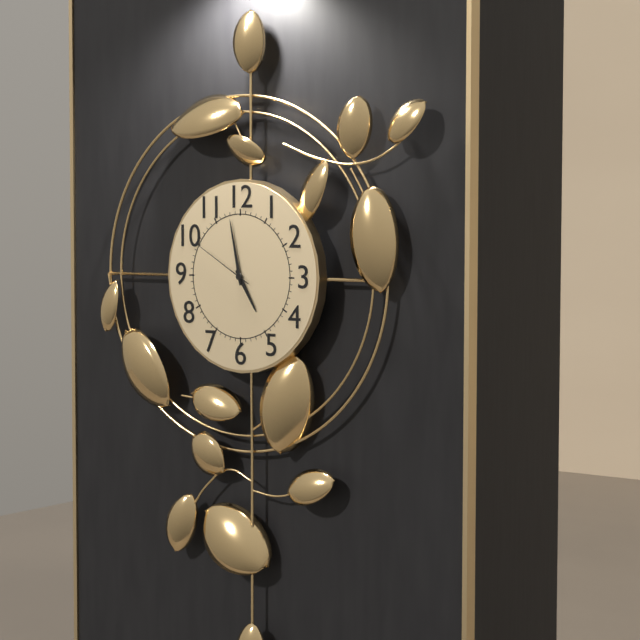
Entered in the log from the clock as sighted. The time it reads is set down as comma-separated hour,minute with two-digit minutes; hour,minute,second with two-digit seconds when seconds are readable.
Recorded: 4,58,50
